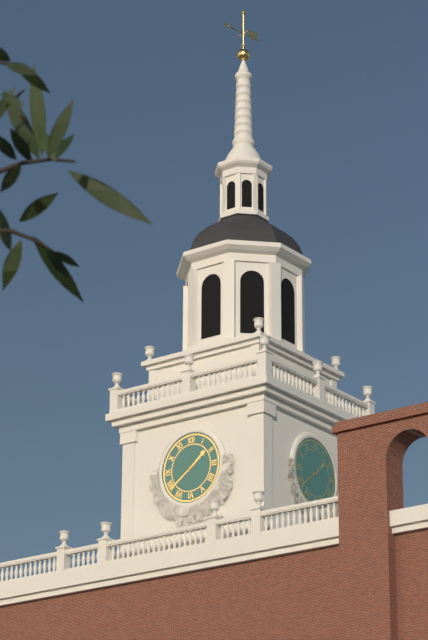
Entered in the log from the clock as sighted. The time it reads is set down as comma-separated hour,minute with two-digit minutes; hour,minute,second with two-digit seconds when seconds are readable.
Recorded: 1,39
